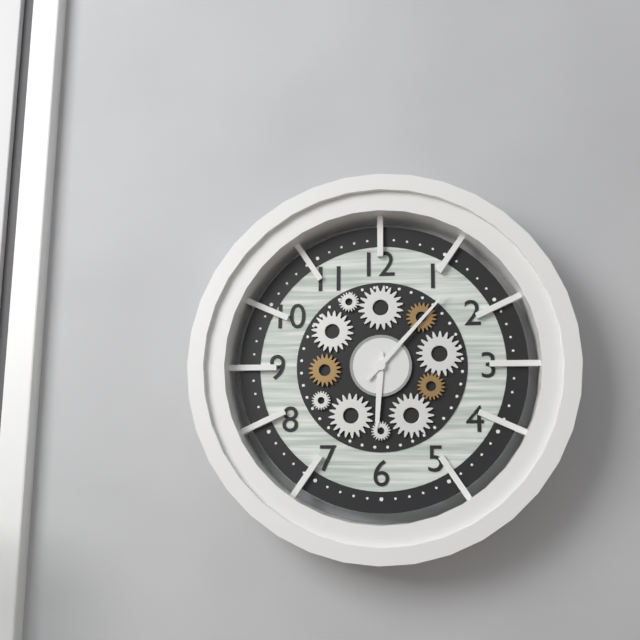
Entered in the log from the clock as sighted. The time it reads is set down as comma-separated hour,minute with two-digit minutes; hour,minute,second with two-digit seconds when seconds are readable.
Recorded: 6,07
